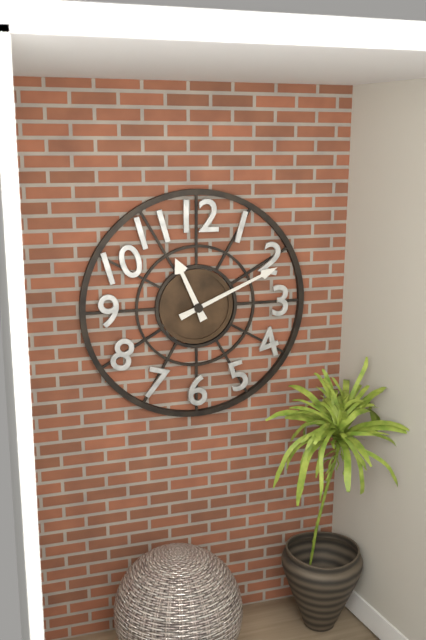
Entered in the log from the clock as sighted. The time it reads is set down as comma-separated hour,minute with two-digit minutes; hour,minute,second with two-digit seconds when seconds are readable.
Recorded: 11,11
